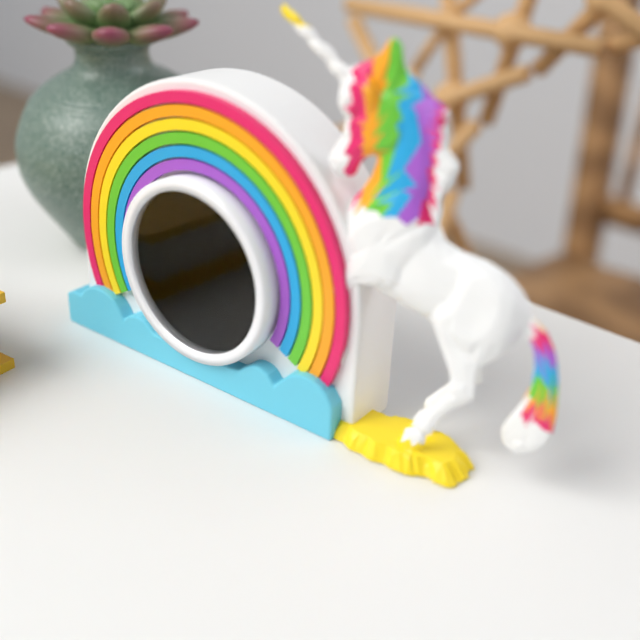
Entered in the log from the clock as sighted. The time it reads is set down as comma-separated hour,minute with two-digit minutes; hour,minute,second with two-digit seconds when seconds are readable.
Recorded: 10,28
